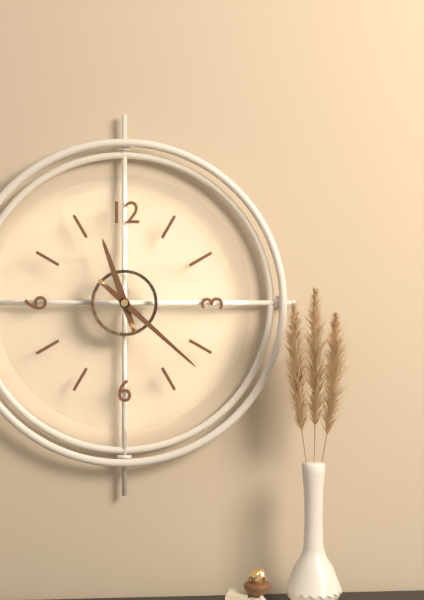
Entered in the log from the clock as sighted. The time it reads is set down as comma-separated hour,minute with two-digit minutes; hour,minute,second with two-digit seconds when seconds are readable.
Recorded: 11,22
